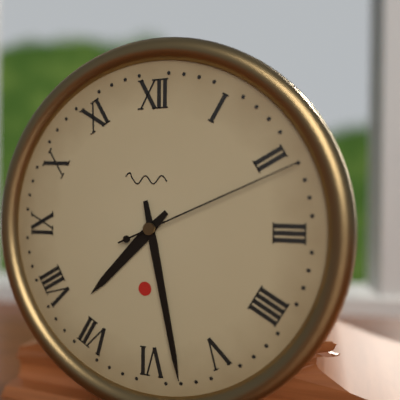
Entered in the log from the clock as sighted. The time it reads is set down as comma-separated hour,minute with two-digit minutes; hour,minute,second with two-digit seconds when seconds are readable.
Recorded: 7,28,11
